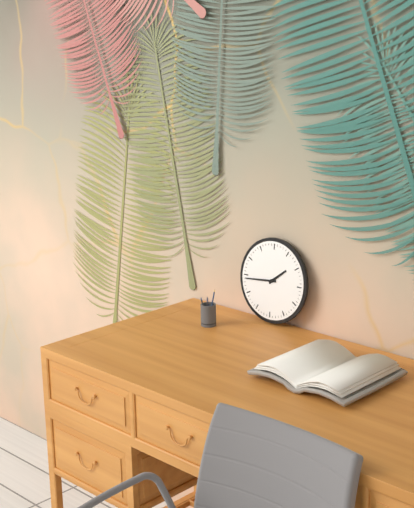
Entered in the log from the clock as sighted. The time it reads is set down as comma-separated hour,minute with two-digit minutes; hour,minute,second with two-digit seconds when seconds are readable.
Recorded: 1,44
